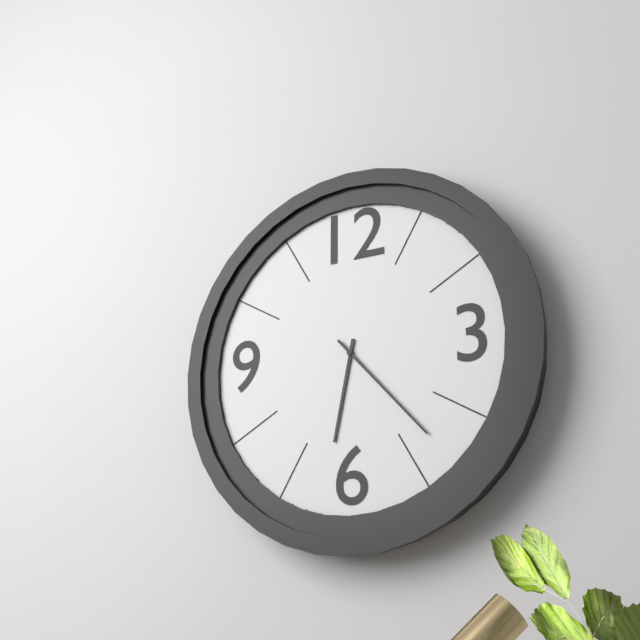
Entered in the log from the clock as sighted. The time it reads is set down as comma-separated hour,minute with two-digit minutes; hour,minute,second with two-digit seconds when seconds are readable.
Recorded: 6,23
